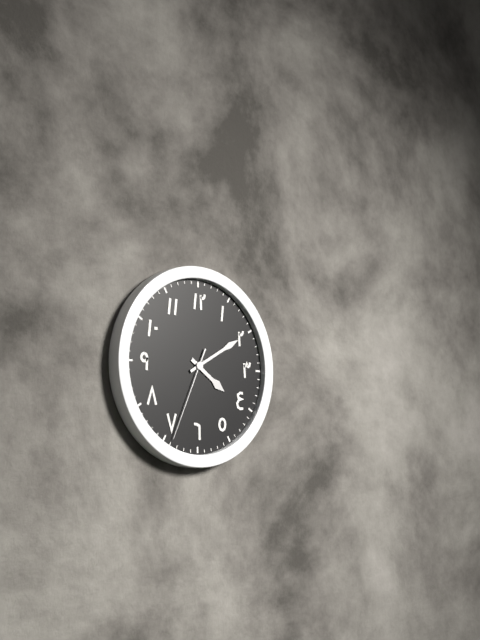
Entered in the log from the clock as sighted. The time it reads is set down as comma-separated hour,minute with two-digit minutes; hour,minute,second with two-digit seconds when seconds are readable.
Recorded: 4,10,34
